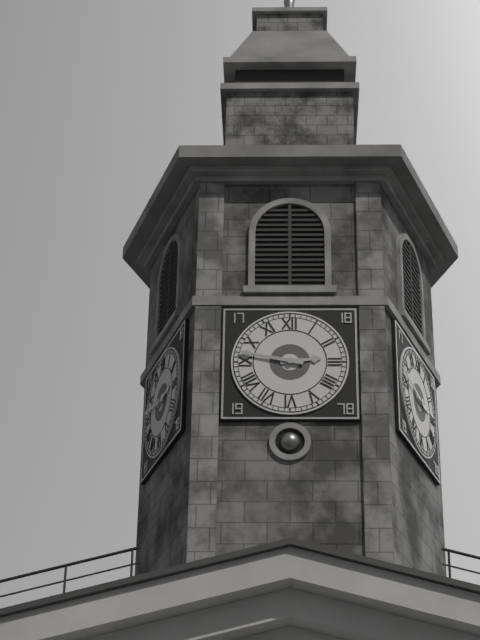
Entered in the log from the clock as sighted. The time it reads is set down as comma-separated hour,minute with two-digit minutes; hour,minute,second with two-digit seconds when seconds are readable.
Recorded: 2,47
